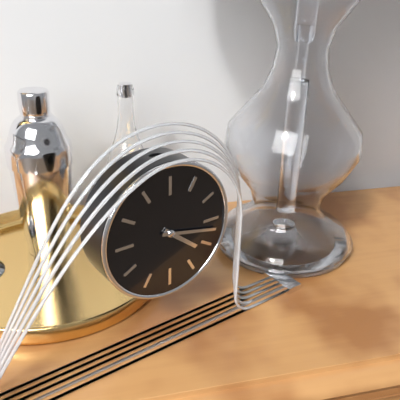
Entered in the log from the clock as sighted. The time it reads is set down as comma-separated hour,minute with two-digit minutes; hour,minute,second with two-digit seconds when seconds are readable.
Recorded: 4,17
